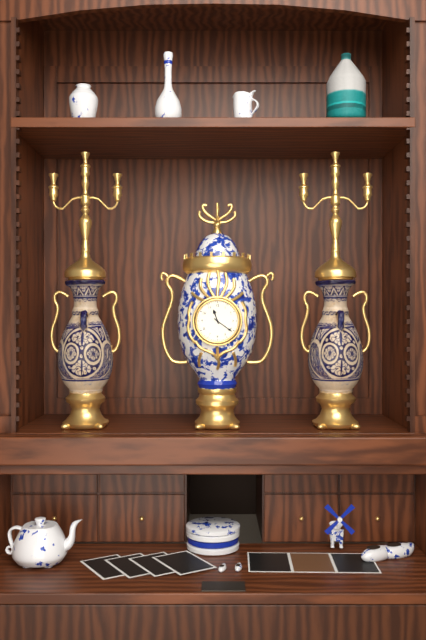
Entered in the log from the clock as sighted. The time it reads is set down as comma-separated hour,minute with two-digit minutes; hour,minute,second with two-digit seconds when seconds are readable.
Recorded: 11,21
